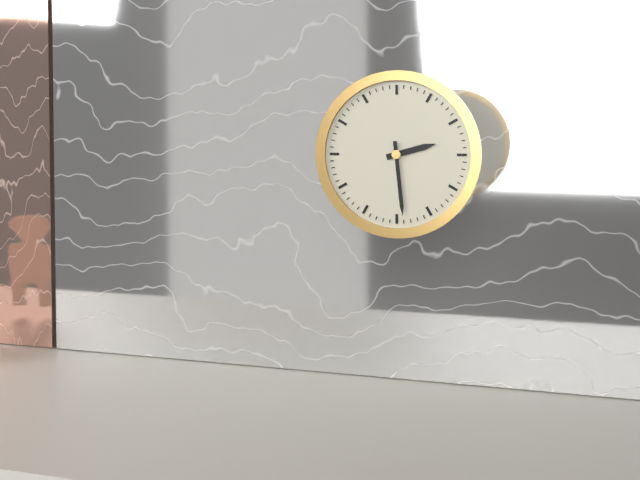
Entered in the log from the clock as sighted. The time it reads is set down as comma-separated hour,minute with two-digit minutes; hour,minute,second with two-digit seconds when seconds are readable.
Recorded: 2,29
